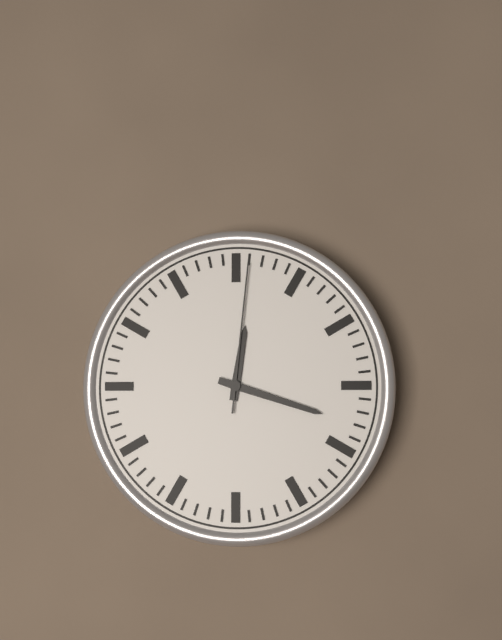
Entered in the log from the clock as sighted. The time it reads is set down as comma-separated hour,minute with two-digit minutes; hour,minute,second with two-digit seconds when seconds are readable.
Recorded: 12,18,01
